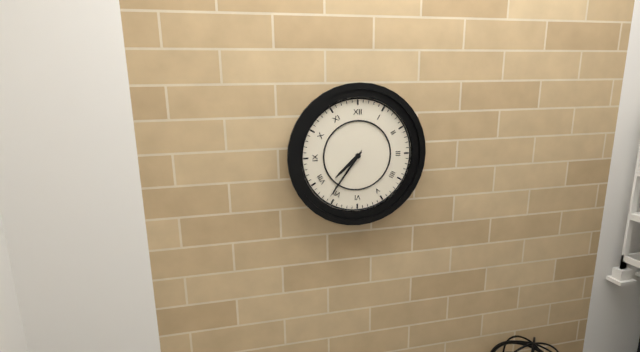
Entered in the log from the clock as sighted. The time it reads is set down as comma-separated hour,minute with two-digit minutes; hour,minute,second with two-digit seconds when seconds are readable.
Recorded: 7,36
